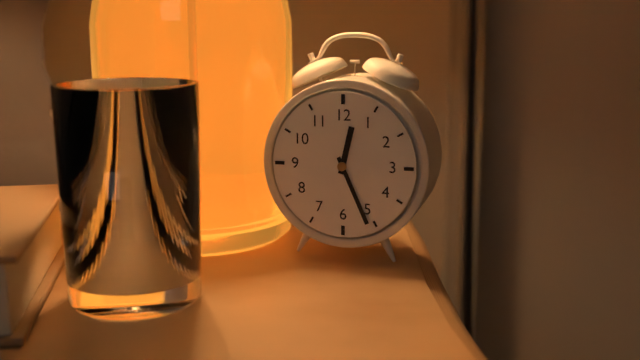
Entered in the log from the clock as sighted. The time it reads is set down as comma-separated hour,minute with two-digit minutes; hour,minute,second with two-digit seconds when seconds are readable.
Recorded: 12,26
